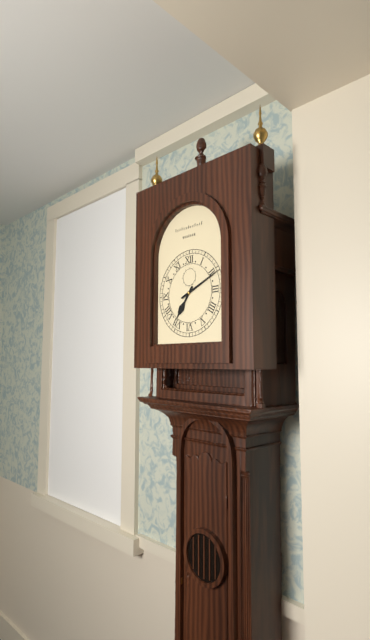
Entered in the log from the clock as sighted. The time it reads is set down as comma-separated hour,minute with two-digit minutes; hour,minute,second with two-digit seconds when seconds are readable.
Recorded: 7,11
